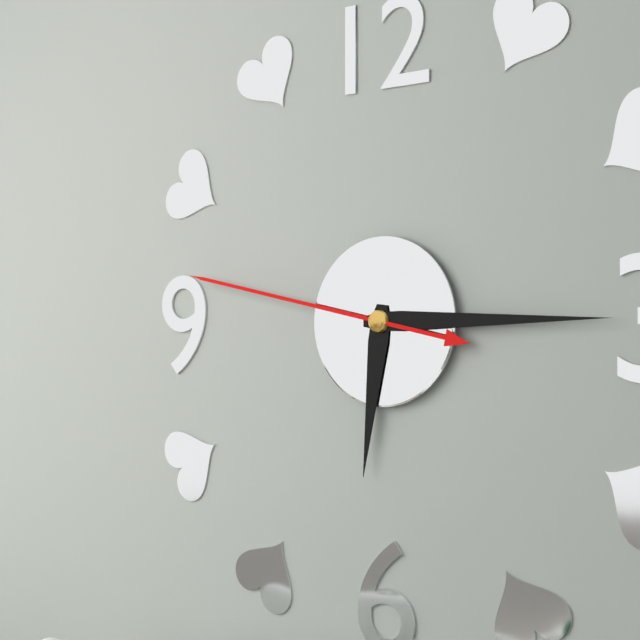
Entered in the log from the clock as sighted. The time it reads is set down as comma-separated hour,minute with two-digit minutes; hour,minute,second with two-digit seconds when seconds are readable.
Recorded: 6,15,47
